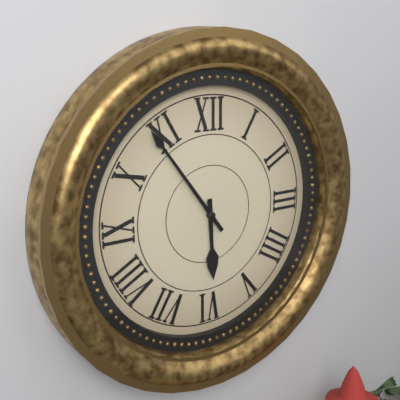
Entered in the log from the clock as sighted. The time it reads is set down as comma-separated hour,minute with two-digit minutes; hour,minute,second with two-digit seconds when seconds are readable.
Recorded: 5,54
